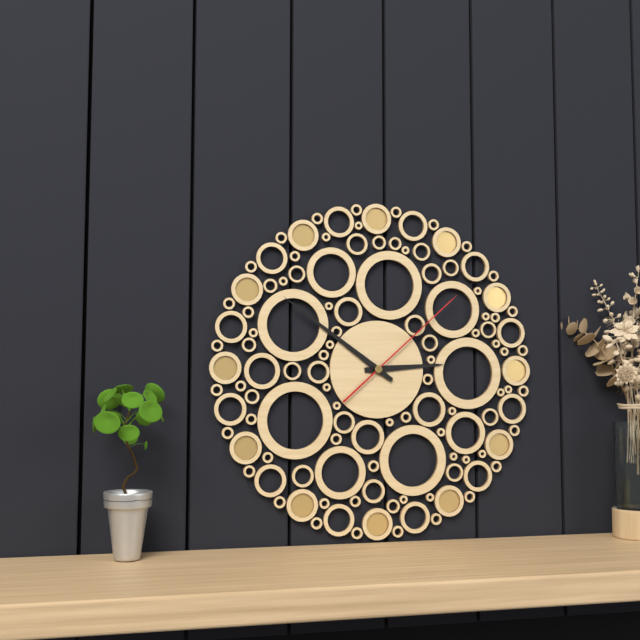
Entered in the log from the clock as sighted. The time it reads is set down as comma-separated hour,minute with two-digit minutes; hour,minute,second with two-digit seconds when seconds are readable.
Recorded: 2,51,08
